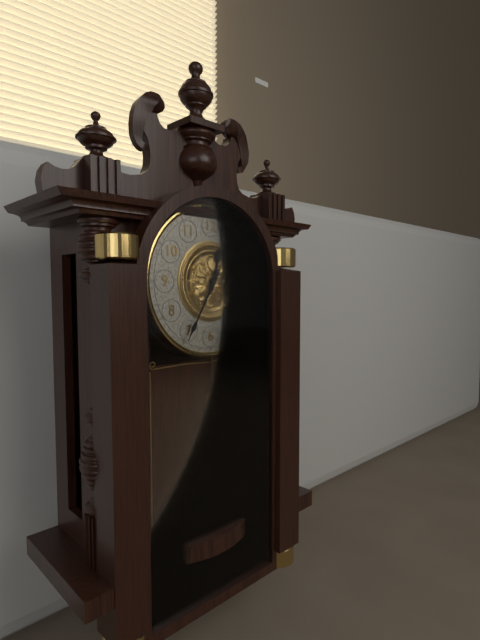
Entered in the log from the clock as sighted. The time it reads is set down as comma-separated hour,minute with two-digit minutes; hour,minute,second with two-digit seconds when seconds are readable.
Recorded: 12,35
